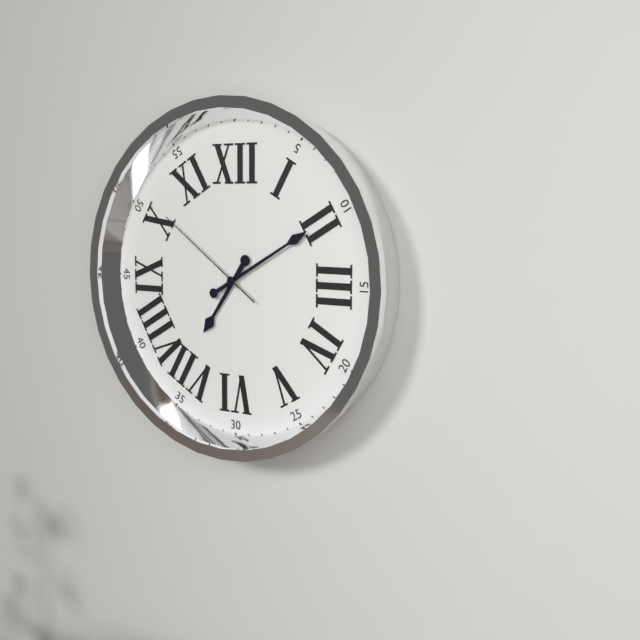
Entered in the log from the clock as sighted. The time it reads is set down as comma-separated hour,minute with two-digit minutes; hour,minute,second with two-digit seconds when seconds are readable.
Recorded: 7,10,51
